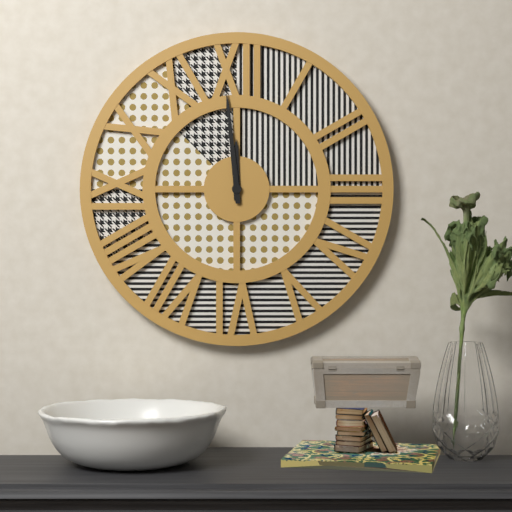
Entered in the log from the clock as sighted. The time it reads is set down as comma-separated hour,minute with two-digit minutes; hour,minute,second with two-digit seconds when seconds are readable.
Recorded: 11,59
